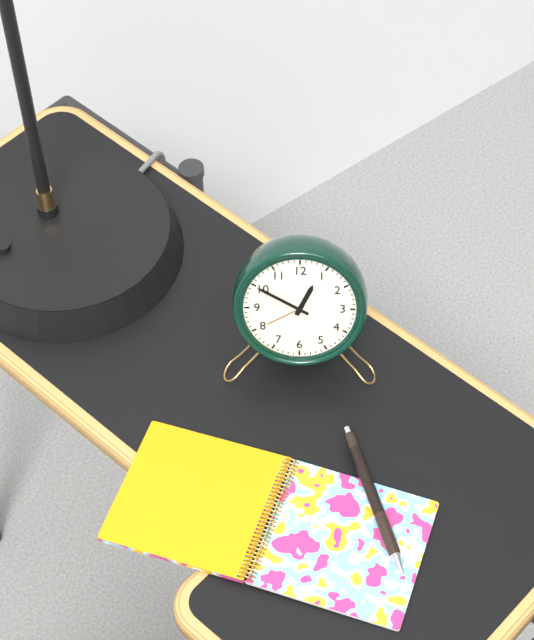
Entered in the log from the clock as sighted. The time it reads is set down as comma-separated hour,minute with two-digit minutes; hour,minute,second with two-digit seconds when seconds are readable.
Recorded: 12,50
